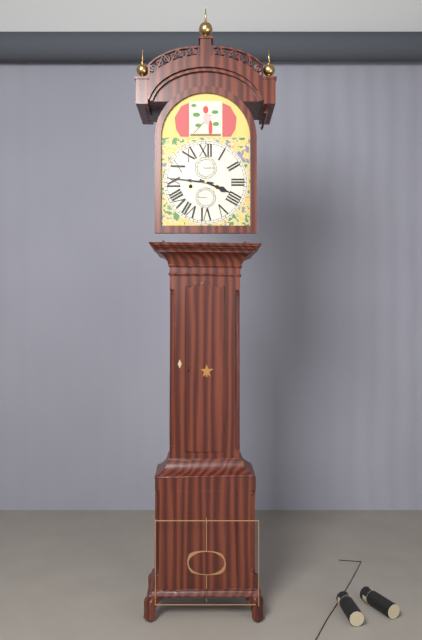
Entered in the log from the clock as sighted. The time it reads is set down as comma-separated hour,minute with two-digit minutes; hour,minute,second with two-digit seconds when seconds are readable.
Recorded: 3,46
